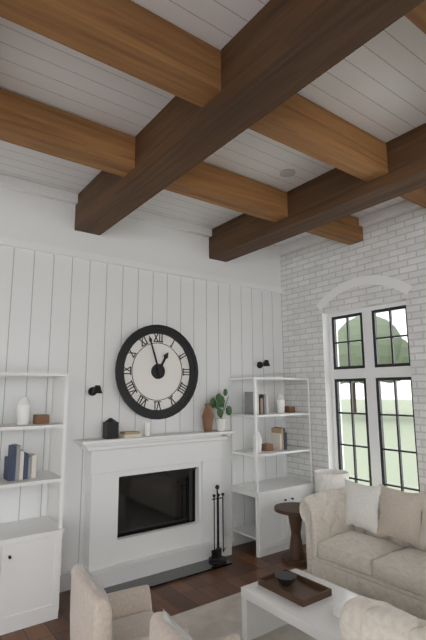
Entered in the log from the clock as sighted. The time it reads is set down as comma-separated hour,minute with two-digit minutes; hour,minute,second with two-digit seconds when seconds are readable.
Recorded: 12,57
